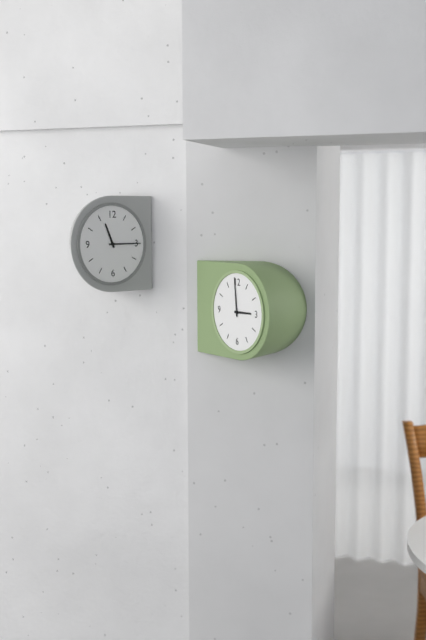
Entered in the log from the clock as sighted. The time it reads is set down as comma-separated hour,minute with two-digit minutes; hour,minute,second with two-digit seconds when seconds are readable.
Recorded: 2,59
